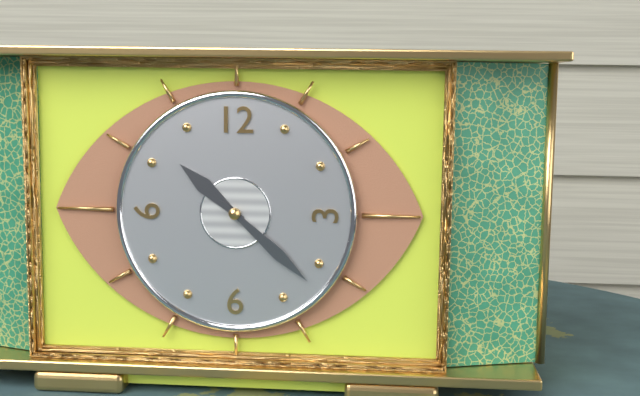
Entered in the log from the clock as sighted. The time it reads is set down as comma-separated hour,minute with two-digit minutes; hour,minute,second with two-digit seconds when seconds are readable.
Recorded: 10,22
